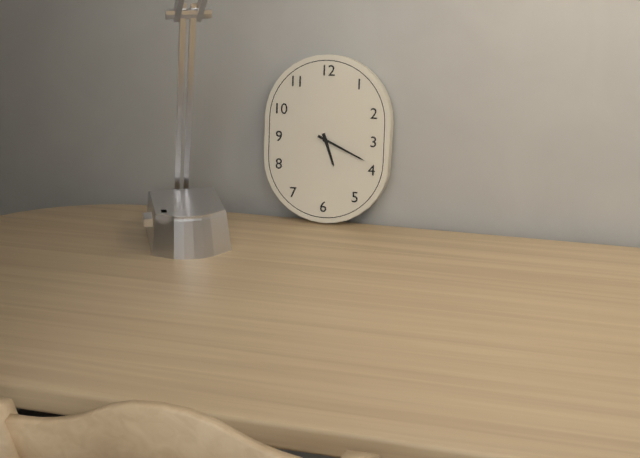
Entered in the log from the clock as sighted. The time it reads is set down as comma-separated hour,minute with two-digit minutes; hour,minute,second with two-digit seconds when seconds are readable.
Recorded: 5,19
